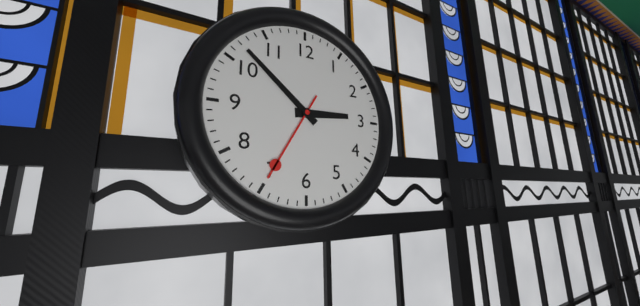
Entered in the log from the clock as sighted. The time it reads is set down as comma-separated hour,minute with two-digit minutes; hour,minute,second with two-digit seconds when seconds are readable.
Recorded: 2,52,35
